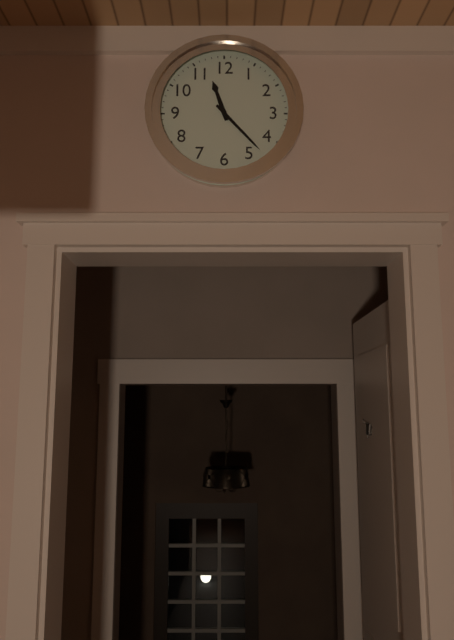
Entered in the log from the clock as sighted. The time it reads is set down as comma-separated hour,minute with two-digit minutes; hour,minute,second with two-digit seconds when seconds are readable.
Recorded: 11,23
